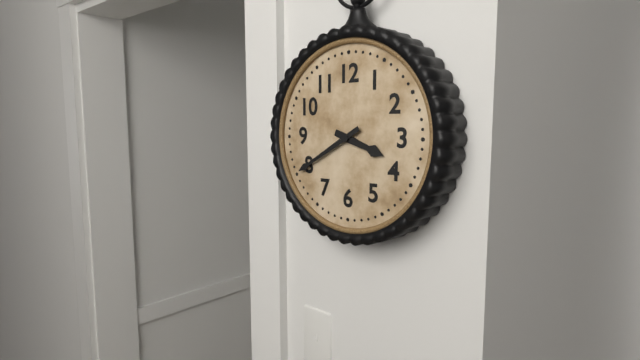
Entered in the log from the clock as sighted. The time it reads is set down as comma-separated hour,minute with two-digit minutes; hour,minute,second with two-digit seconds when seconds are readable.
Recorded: 3,40
